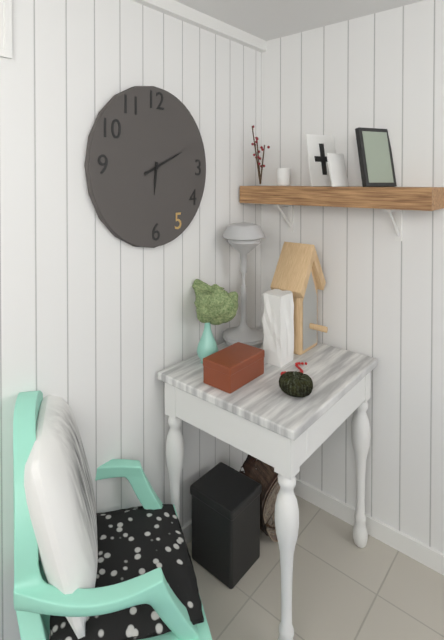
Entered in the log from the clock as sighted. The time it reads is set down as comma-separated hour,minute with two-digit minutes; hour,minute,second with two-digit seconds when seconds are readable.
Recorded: 6,11
